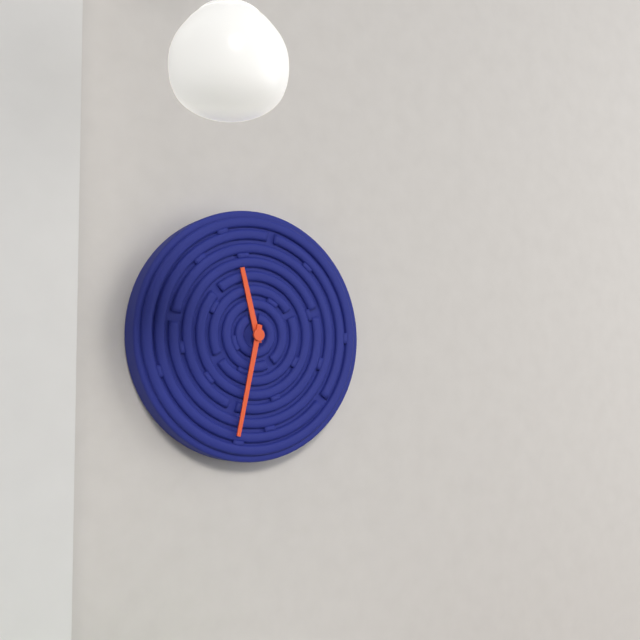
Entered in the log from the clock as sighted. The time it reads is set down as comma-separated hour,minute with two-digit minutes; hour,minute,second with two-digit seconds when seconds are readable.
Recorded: 11,32
